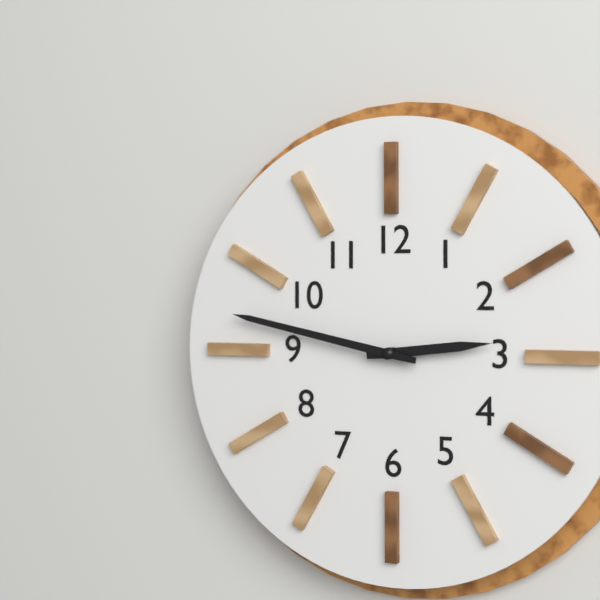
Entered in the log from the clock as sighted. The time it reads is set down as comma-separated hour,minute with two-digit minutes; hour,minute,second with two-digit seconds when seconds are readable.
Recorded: 2,47
